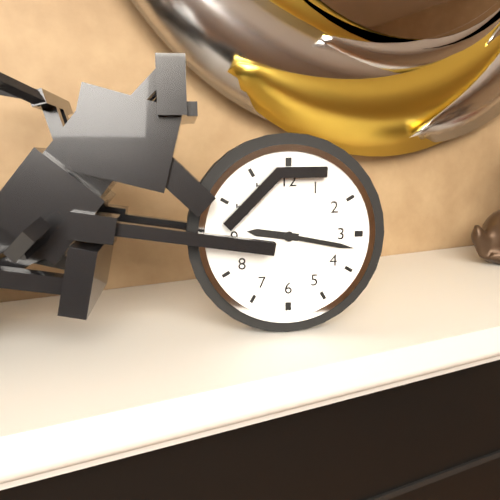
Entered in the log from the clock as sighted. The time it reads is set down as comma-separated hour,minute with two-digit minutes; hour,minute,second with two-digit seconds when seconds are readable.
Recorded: 9,17
